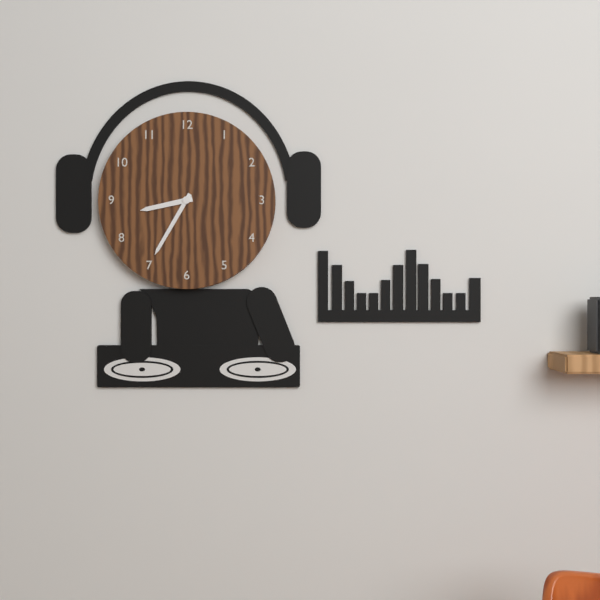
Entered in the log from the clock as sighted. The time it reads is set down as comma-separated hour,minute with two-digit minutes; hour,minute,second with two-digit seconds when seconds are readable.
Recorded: 8,35
